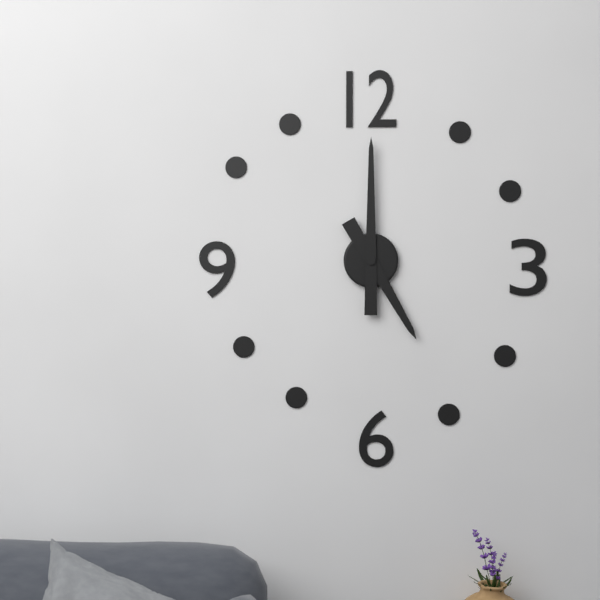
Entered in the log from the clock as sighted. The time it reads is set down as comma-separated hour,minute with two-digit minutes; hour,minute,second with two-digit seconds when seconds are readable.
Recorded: 5,00
